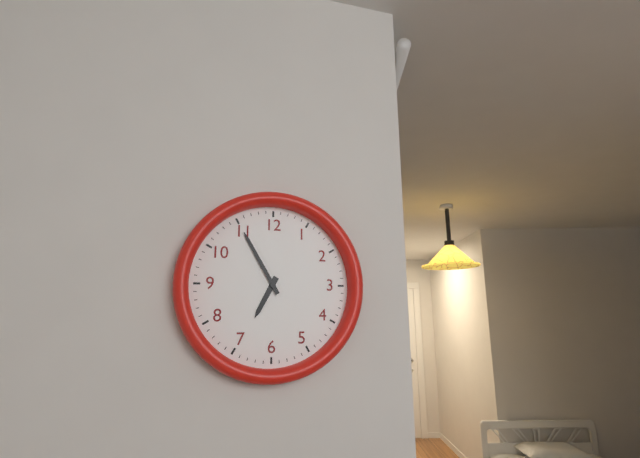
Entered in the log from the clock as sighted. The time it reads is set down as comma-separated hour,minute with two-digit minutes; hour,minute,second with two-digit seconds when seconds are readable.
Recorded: 6,55
